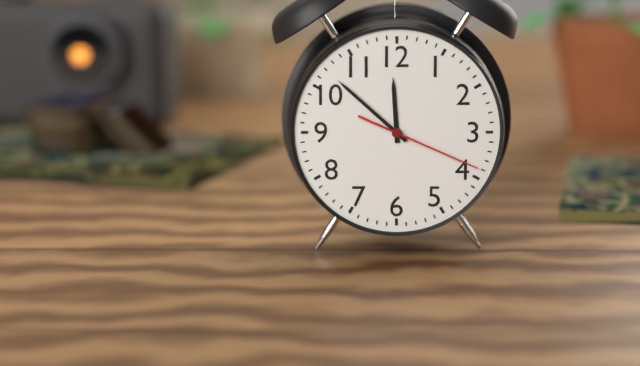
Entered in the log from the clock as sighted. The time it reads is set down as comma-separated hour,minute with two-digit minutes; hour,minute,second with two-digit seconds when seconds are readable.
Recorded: 11,52,19
